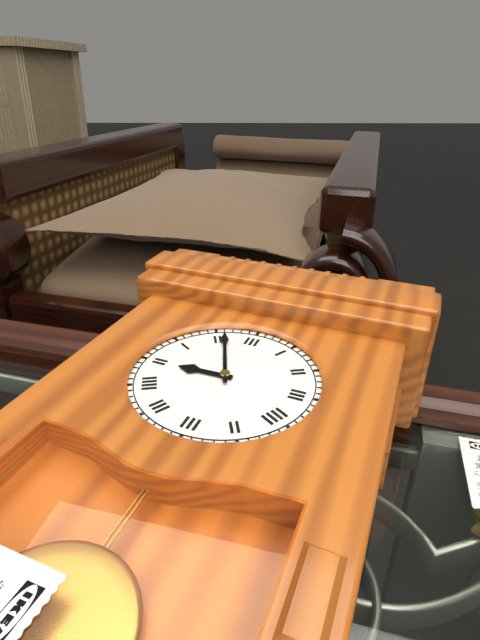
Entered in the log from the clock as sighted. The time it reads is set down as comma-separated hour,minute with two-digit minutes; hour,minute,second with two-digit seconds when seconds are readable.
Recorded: 8,56
